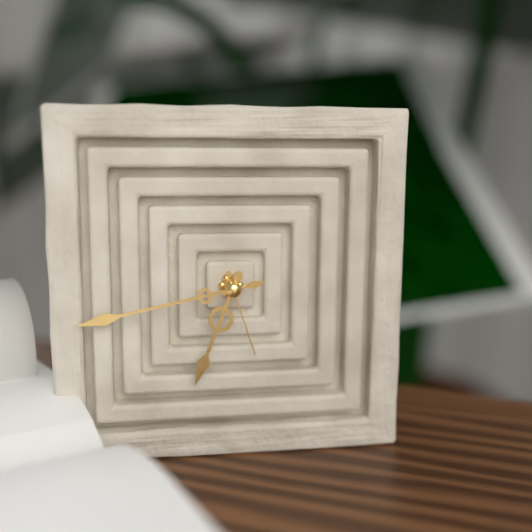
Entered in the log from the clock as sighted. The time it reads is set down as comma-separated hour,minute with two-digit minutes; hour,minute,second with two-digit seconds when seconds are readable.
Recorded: 6,43,27
